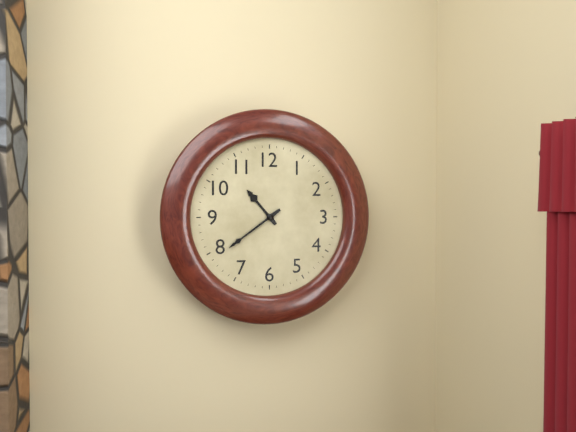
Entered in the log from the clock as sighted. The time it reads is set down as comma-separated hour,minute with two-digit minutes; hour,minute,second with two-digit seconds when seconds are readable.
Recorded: 10,39
